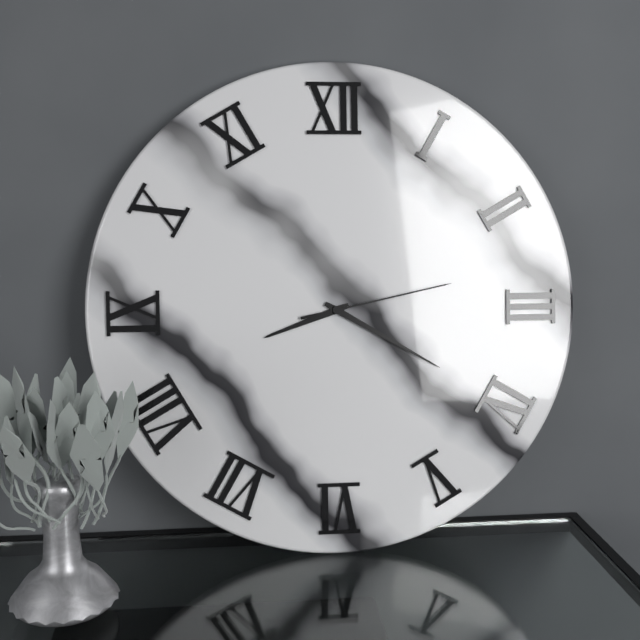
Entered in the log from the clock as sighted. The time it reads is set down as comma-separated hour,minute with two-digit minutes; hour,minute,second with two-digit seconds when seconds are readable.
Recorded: 8,20,13
